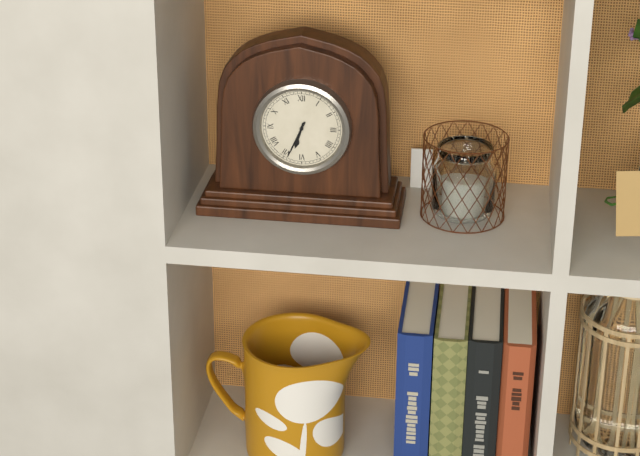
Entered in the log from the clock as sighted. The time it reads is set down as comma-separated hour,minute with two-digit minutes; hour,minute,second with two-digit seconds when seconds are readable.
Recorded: 6,34
